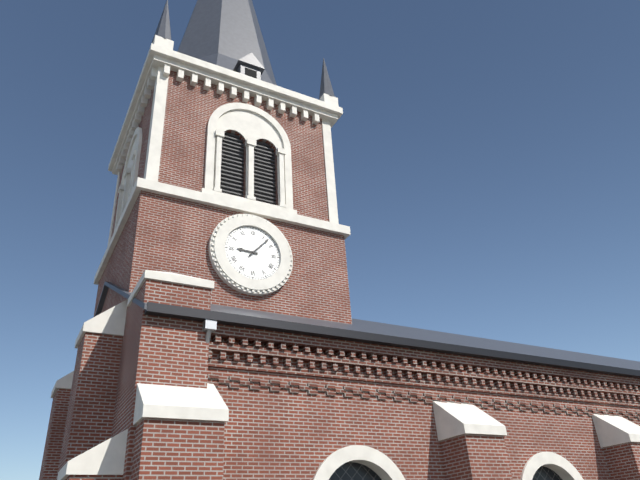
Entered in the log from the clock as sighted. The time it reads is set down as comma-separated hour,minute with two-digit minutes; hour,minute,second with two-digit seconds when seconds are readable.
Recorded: 9,07
